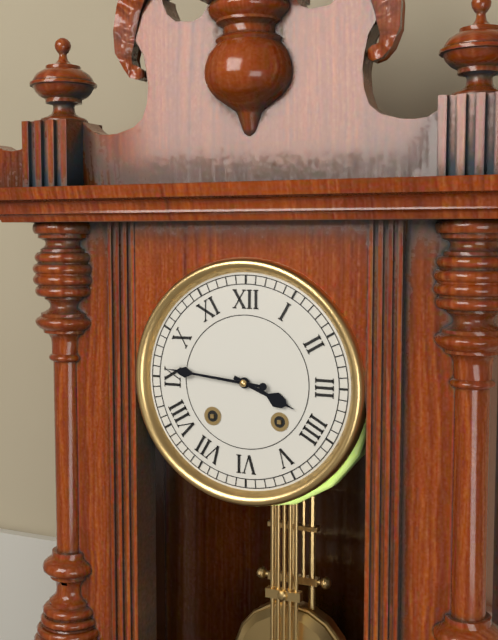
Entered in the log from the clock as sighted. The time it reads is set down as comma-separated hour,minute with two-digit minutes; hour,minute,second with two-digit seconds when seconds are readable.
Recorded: 3,46
